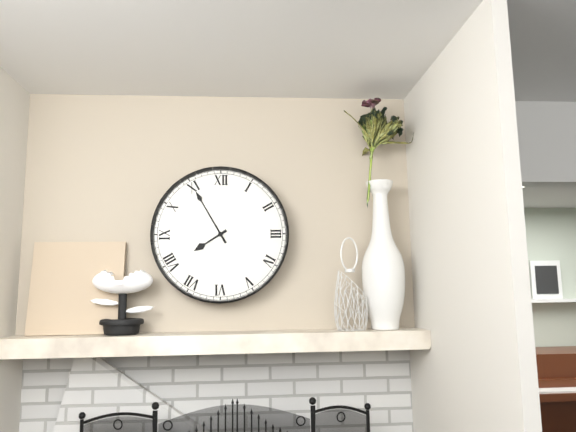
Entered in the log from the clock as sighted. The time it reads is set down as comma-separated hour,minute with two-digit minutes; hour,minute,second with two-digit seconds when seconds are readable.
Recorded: 7,55
